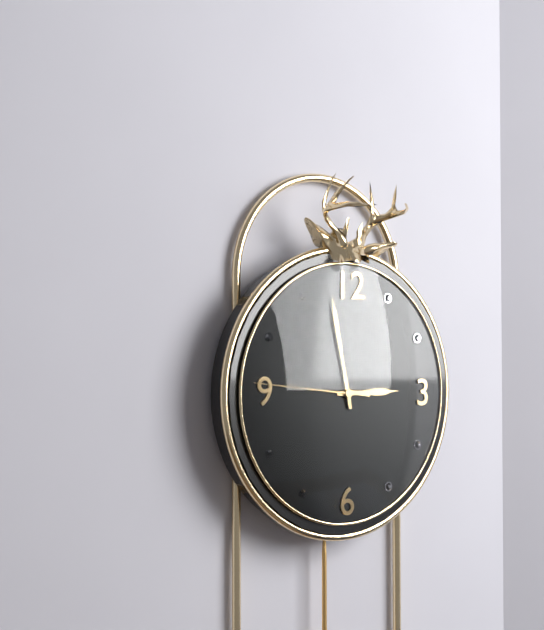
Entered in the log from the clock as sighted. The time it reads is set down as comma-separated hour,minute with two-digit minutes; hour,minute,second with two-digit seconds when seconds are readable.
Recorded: 2,58,46
